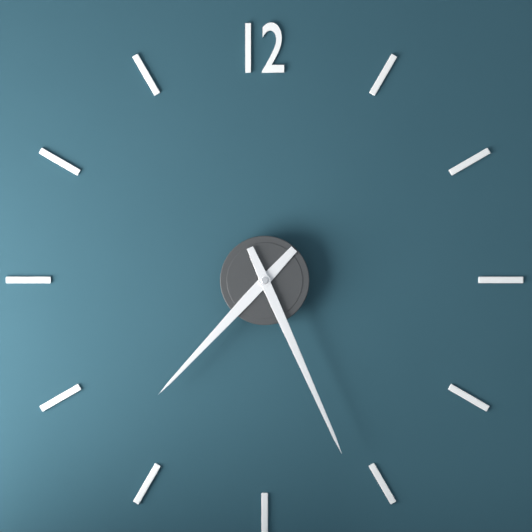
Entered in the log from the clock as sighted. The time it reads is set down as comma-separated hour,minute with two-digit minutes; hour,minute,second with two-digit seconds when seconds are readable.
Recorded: 7,26
